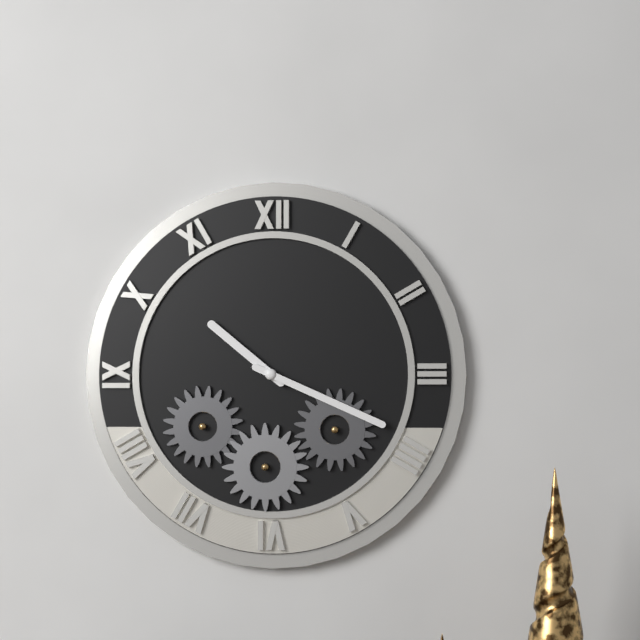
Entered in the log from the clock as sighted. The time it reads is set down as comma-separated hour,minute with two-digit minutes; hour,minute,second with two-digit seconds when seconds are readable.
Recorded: 10,19
